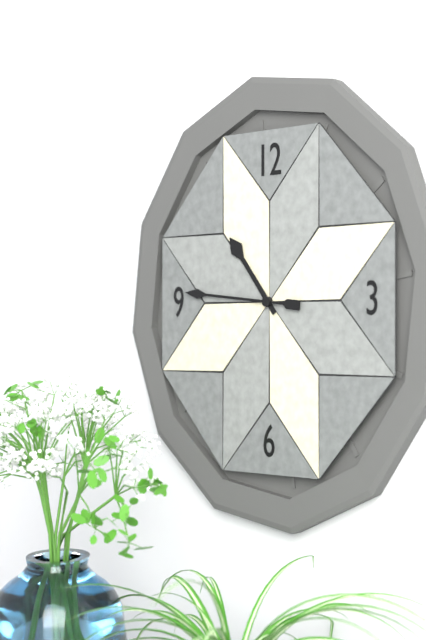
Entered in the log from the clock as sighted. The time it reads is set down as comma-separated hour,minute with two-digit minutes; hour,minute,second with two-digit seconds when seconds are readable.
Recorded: 10,46
